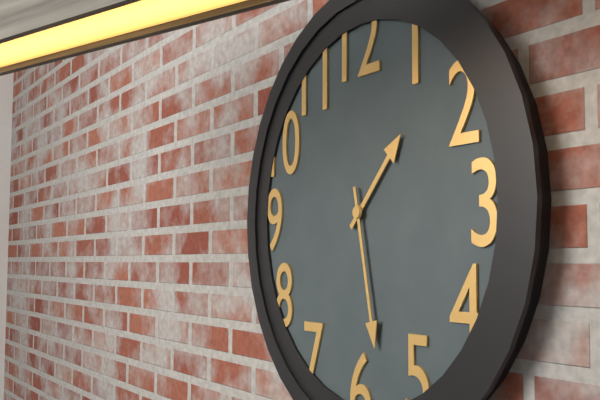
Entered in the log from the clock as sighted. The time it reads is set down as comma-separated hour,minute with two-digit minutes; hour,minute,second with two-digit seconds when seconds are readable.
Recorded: 1,28
